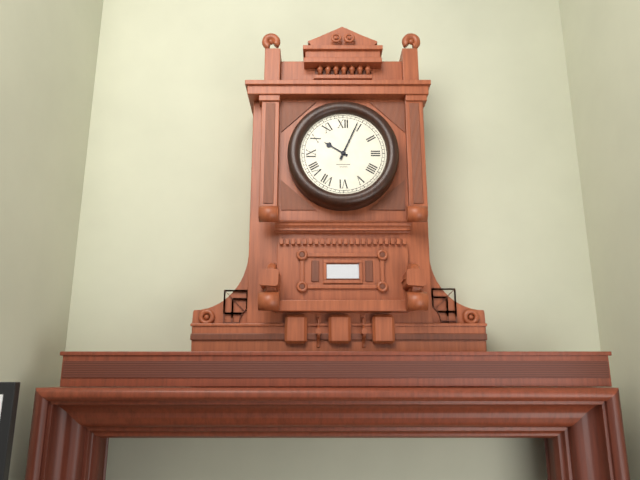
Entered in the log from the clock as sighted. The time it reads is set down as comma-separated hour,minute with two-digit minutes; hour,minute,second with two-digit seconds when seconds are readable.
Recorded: 10,04
